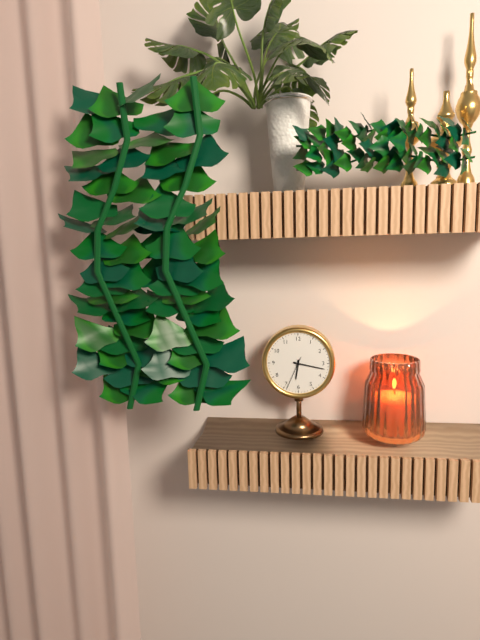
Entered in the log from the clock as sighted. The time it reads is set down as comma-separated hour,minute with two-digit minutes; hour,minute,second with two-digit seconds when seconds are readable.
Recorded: 6,17
